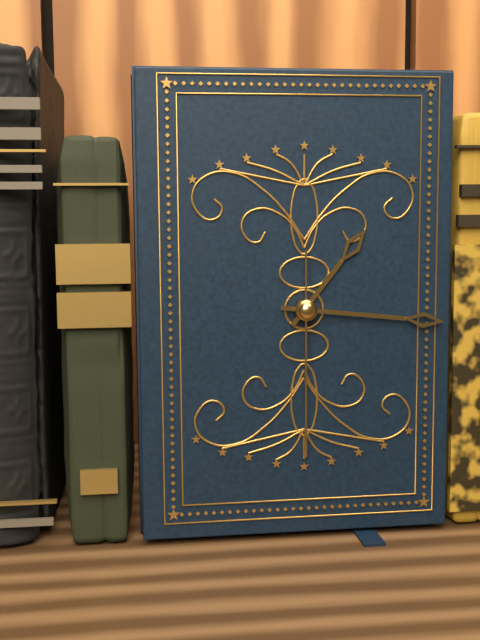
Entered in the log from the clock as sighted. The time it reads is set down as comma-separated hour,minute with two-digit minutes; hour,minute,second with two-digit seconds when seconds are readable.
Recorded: 1,16,30
